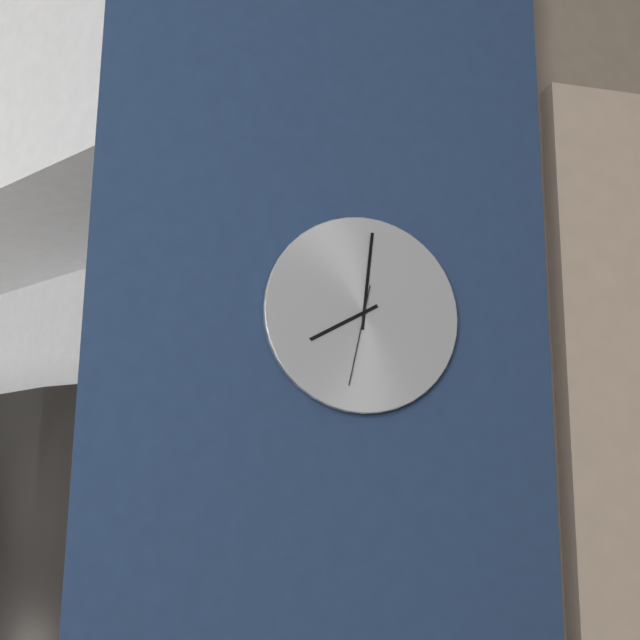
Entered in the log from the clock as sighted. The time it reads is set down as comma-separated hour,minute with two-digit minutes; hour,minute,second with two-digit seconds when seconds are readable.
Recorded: 8,01,32
